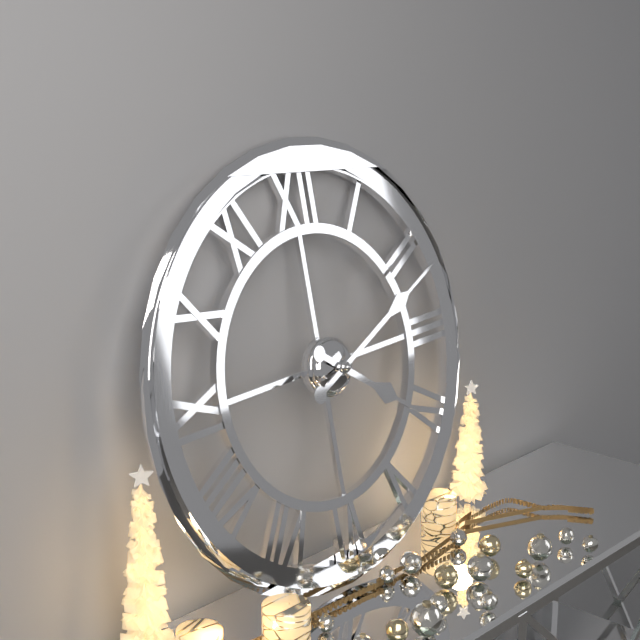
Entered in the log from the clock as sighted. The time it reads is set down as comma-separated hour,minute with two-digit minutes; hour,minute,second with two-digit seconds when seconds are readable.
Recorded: 4,11
